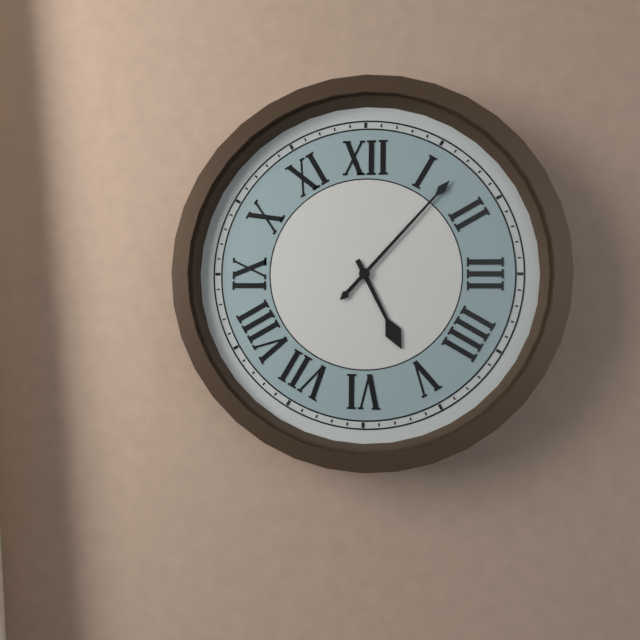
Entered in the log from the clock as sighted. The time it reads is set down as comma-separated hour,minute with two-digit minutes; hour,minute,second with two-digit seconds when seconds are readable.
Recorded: 5,07
